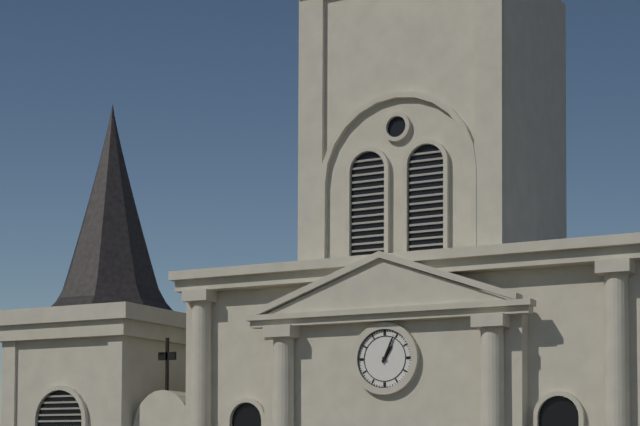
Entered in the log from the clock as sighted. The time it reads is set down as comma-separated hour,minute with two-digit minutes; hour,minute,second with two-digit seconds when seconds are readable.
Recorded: 1,04
